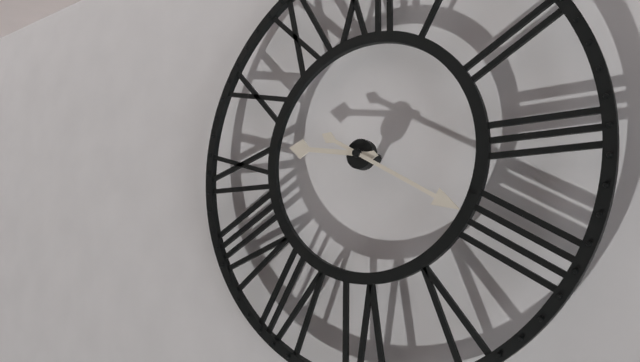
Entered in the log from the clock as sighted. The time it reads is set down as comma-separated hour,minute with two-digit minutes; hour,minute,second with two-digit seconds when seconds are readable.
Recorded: 9,20
